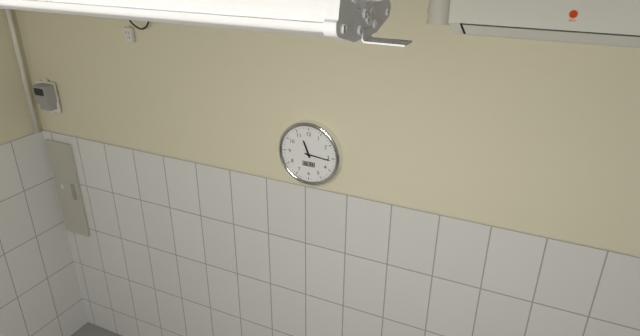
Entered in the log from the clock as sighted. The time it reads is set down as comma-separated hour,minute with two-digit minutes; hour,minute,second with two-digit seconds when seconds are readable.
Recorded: 11,16
